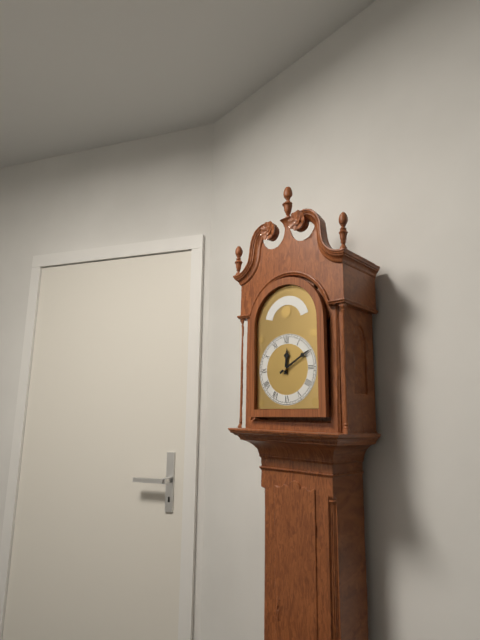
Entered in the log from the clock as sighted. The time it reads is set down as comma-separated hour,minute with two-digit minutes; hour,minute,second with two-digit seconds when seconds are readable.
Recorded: 12,10
